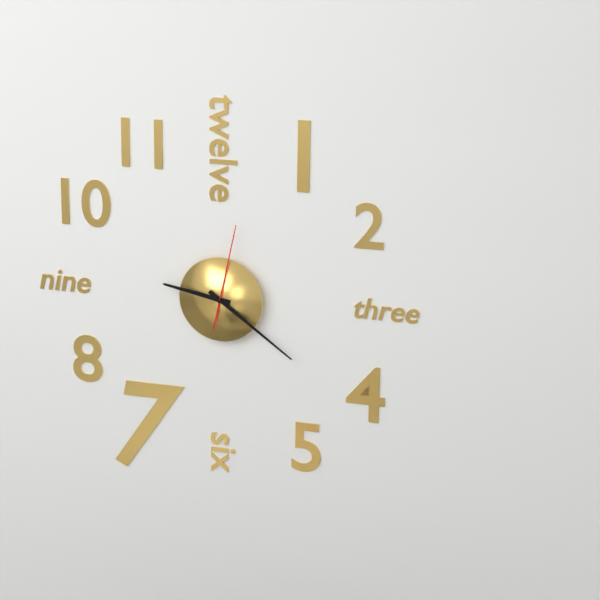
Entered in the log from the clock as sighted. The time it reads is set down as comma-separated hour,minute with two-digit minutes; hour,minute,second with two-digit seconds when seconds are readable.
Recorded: 9,21,02
